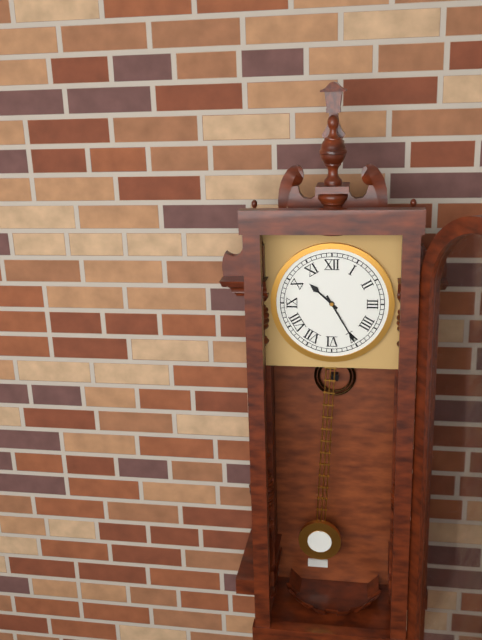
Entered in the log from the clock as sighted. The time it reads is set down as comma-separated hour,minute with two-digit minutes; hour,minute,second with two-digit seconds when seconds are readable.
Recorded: 10,25
